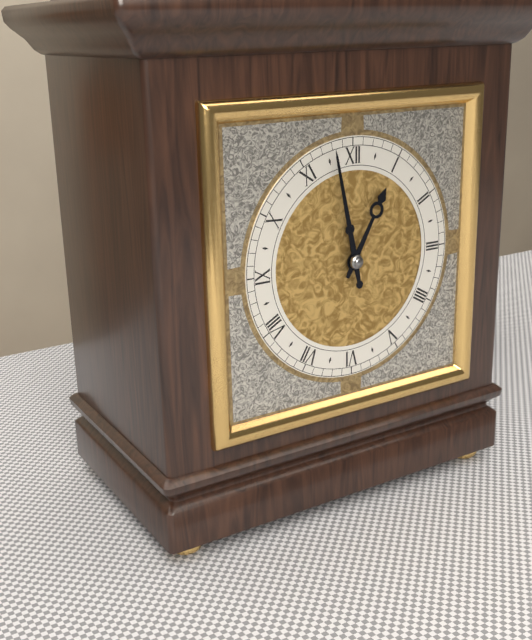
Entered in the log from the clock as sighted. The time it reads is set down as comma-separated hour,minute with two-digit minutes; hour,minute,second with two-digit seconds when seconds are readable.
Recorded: 12,58
